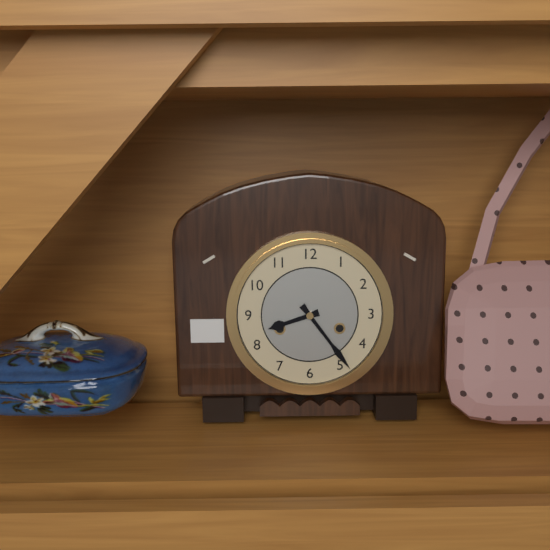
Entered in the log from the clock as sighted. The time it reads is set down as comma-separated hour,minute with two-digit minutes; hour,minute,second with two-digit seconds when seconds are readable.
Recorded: 8,24
